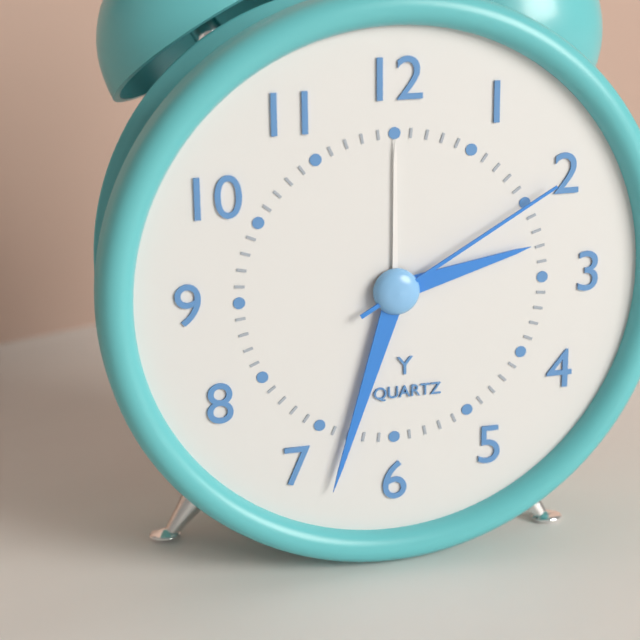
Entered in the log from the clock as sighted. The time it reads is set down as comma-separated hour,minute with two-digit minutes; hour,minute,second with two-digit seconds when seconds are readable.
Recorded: 2,33,10
